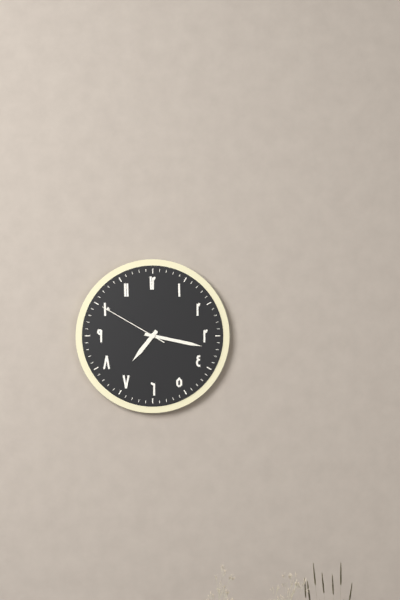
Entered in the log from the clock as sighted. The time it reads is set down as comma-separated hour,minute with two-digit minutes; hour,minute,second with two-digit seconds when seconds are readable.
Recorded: 7,17,50
